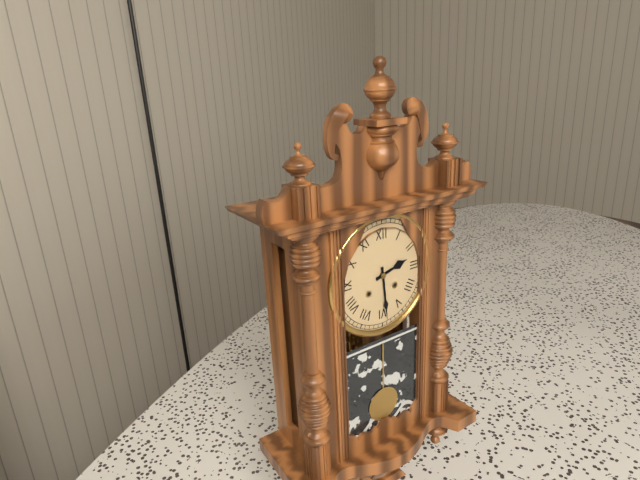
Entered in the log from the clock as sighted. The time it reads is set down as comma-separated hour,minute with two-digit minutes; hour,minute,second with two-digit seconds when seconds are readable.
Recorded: 2,29
